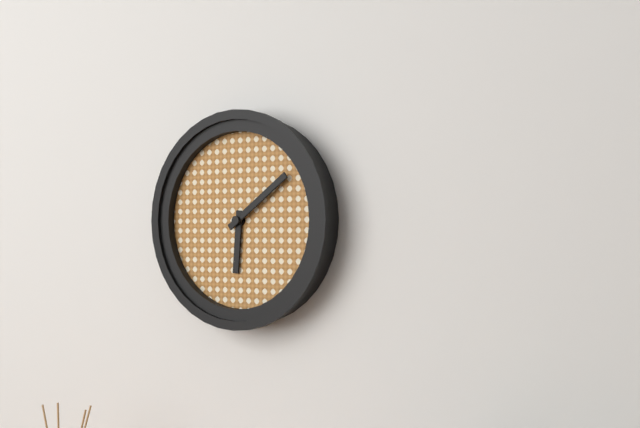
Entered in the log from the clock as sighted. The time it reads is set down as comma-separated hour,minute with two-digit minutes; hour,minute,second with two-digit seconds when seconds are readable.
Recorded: 6,09
